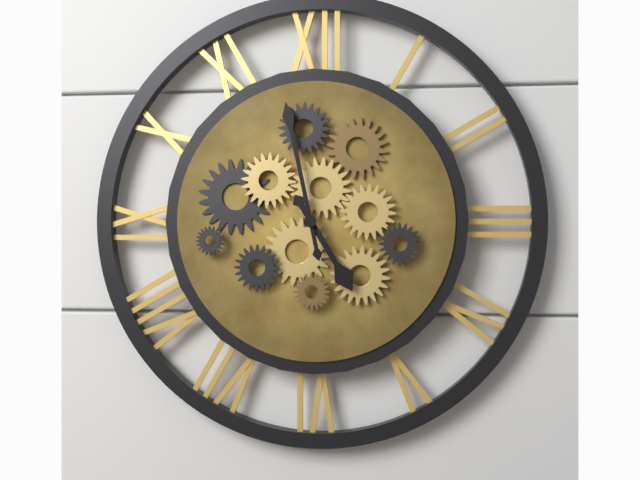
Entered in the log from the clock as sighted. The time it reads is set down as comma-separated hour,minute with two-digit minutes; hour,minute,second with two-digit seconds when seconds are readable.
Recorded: 4,58
